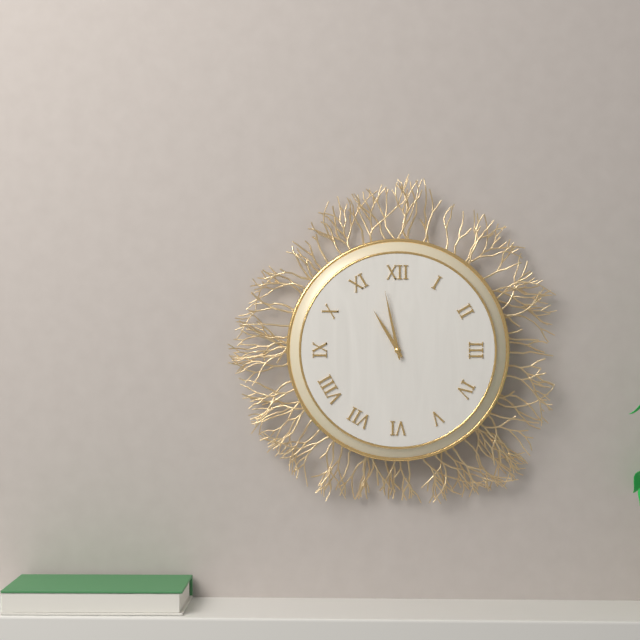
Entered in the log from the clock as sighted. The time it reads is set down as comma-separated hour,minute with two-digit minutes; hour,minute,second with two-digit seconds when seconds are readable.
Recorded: 10,58
